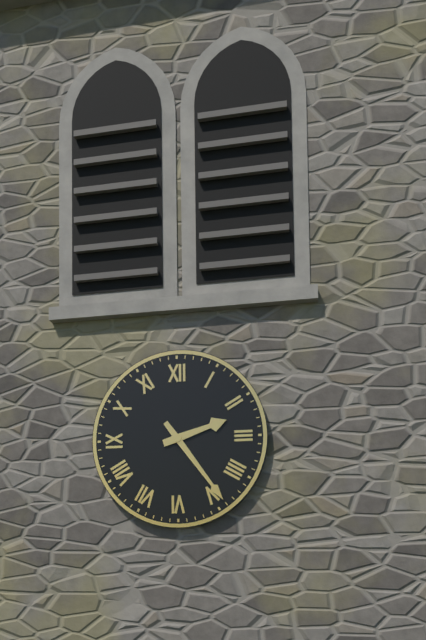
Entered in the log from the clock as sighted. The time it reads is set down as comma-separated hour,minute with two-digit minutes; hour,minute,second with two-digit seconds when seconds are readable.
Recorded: 2,24
